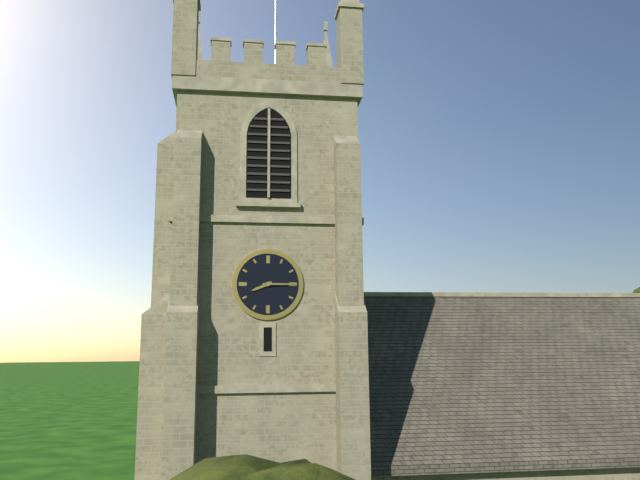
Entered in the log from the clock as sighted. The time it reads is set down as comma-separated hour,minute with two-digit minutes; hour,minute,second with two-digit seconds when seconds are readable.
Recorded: 8,15
